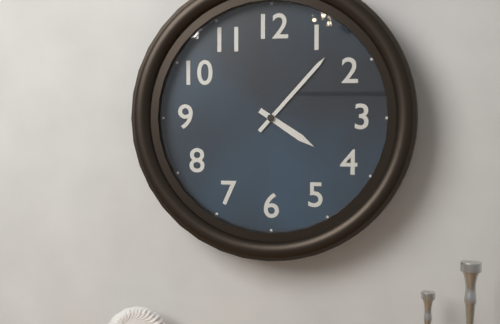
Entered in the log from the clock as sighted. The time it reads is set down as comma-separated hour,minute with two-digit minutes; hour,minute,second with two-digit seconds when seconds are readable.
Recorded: 4,07
